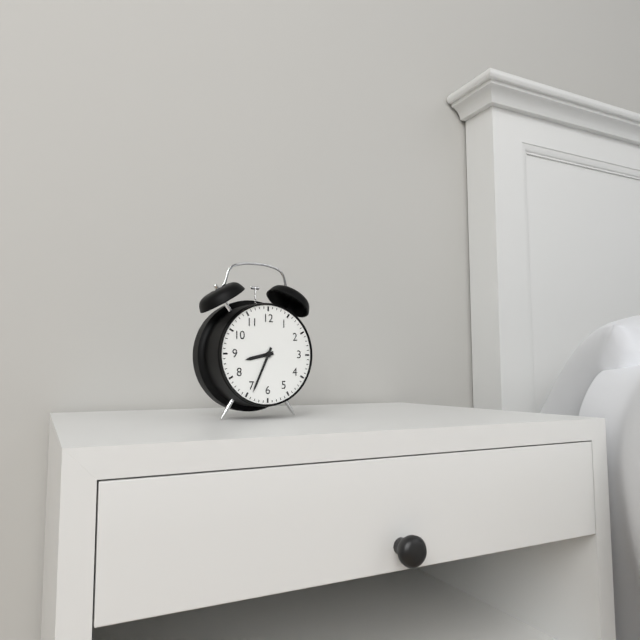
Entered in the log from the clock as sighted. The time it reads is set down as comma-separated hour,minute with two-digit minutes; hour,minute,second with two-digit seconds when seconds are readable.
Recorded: 8,34
